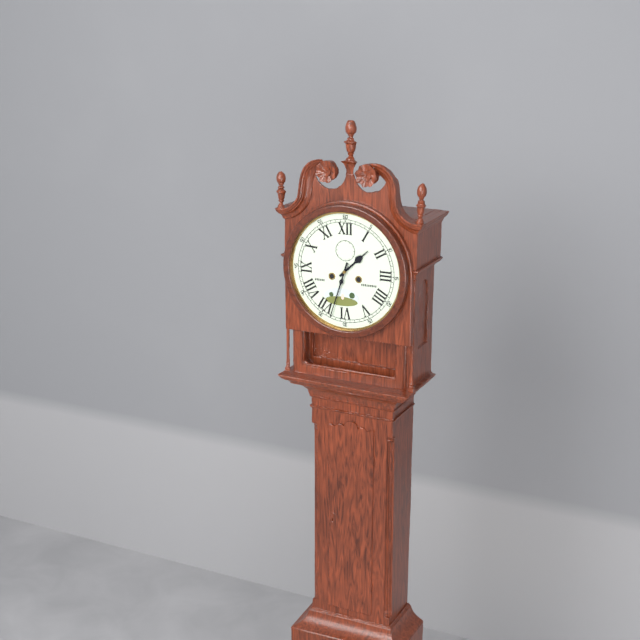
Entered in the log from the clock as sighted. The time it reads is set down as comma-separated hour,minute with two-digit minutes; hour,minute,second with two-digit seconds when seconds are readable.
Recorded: 1,33
